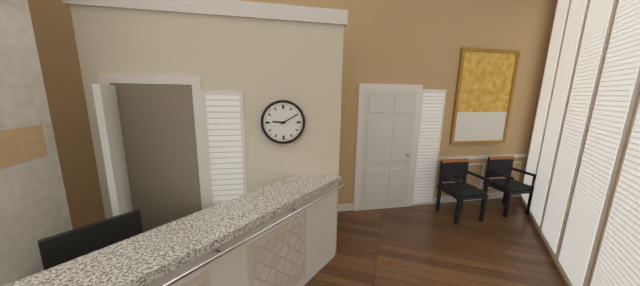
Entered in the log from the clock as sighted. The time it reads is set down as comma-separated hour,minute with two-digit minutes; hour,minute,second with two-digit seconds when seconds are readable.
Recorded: 9,10
